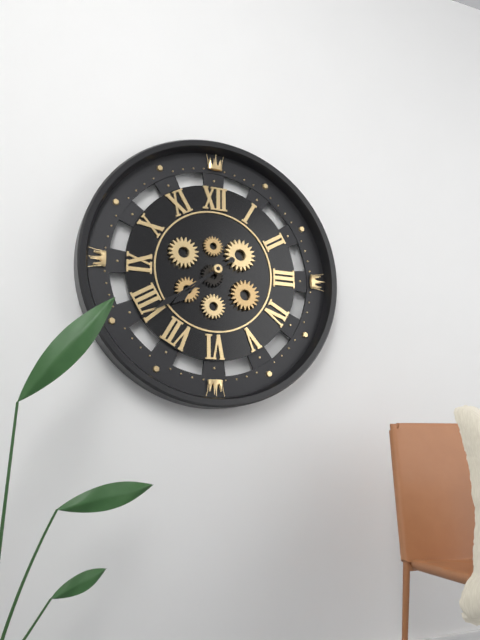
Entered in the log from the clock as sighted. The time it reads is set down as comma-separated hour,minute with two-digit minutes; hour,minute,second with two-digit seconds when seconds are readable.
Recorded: 7,39
